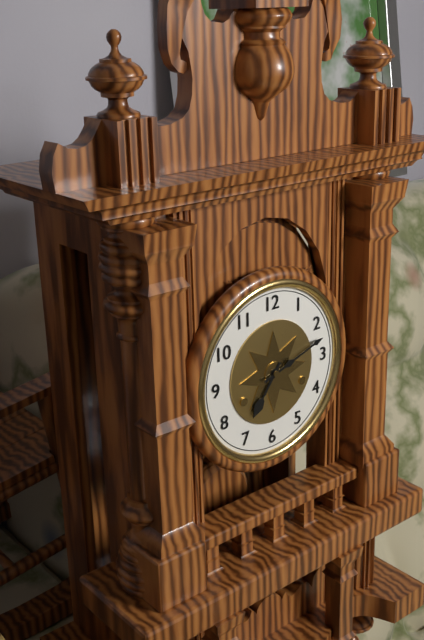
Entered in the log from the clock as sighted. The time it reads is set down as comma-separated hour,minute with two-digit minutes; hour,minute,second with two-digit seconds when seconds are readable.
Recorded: 7,12
